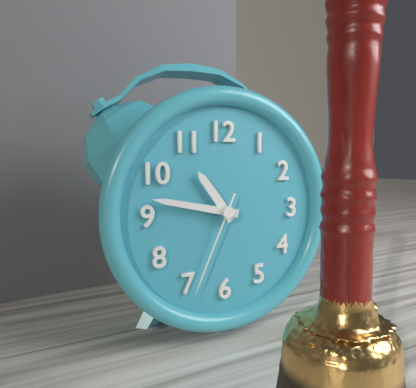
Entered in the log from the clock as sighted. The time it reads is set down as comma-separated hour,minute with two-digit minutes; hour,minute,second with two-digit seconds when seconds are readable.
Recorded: 10,47,34
